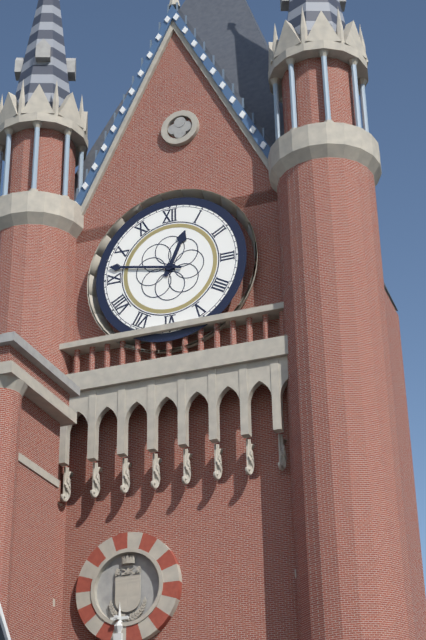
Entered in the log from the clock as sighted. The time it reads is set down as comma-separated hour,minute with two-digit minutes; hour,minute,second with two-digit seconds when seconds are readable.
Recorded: 12,47
